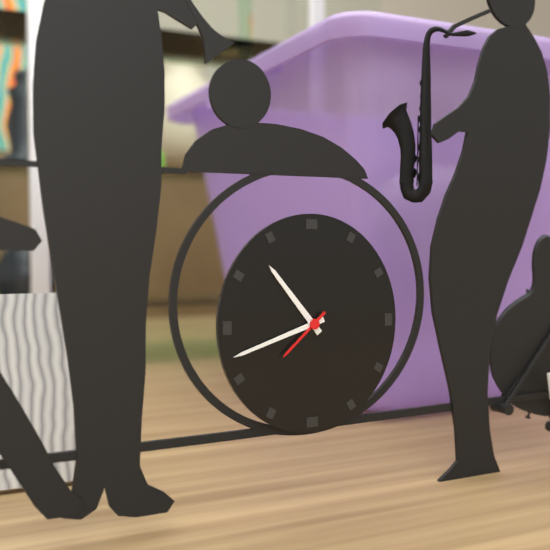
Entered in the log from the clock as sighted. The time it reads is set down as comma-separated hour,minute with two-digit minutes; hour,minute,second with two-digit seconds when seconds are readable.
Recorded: 10,42,38
